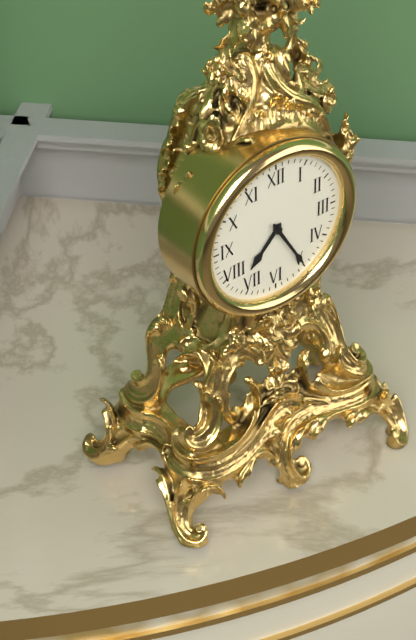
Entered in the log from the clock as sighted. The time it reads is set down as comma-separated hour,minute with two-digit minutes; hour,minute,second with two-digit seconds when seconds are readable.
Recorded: 7,25
